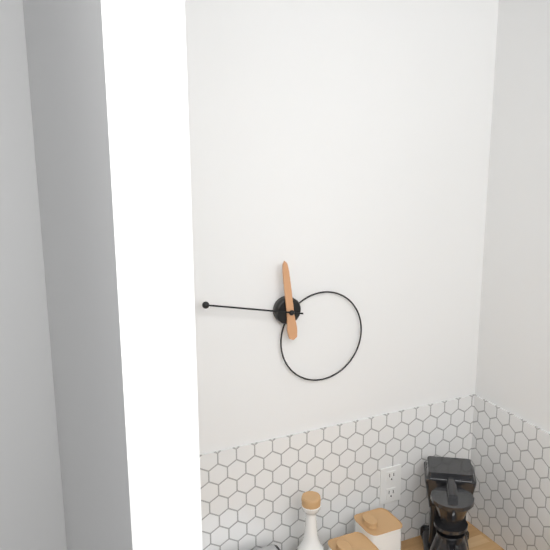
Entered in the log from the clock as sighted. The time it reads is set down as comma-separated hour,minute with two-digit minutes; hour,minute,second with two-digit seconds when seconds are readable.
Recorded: 11,47
